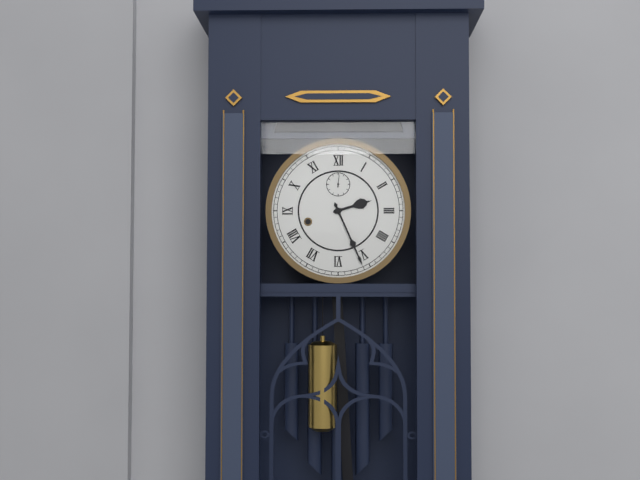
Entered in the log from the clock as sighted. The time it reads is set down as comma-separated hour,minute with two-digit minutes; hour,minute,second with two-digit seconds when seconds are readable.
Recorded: 2,26
